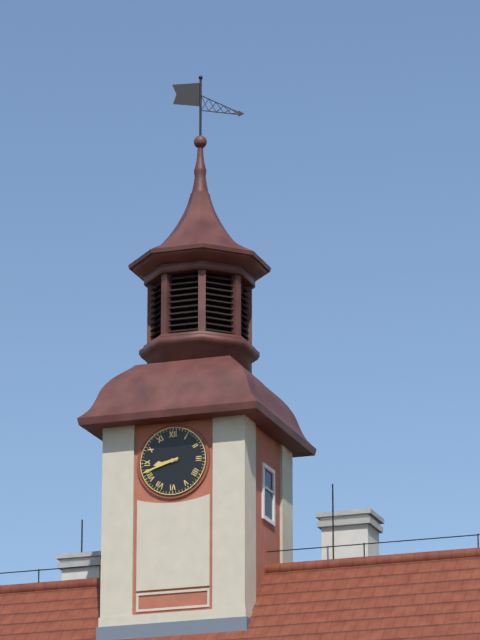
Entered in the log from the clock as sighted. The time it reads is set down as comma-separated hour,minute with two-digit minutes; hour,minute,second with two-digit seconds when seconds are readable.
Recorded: 8,42
